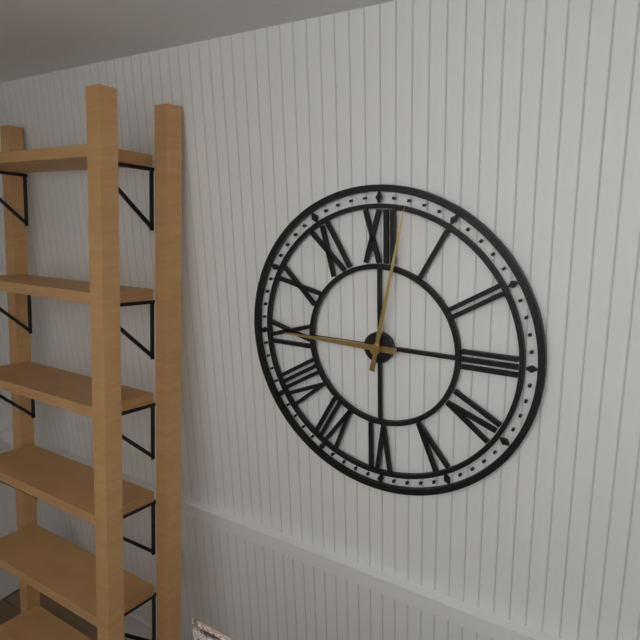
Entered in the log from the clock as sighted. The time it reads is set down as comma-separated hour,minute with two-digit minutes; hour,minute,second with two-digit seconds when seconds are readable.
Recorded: 9,02
